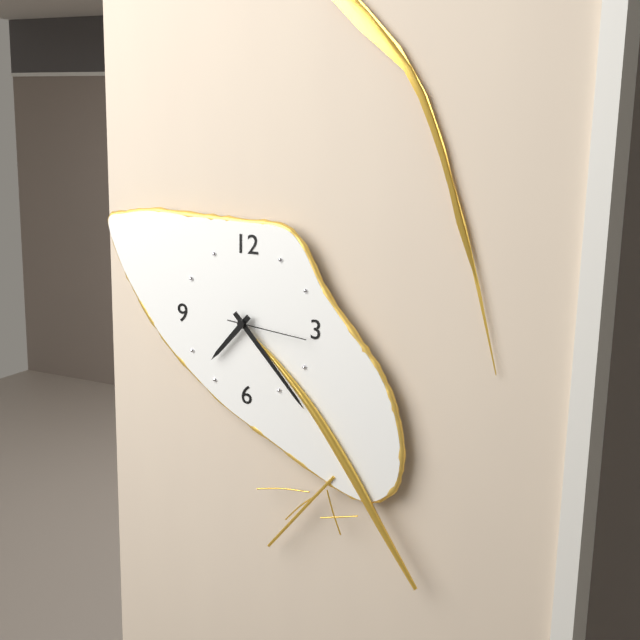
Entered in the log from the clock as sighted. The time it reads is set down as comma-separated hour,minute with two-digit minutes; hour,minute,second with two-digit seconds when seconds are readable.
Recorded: 7,23,16
